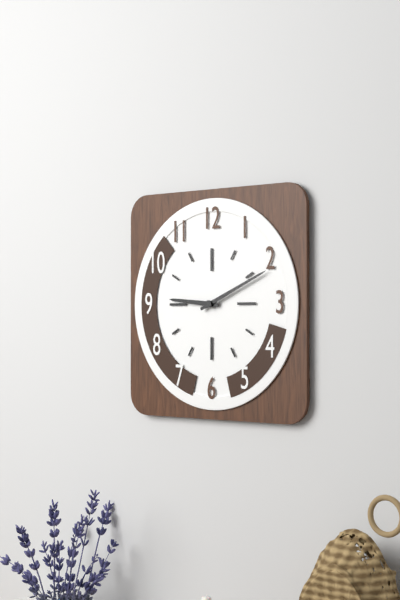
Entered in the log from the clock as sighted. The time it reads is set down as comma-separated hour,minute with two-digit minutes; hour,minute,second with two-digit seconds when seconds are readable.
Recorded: 9,11
